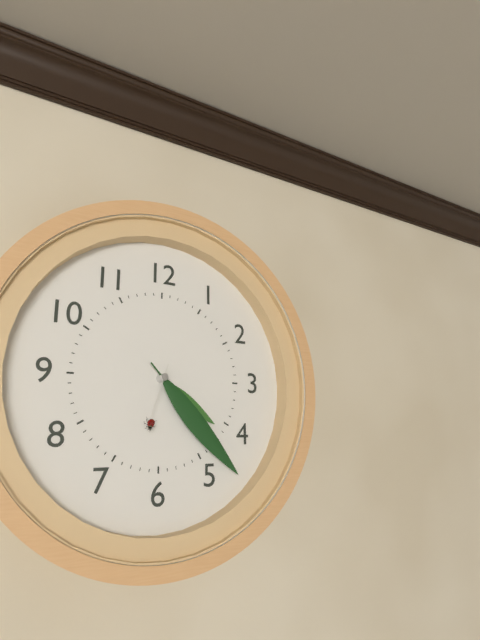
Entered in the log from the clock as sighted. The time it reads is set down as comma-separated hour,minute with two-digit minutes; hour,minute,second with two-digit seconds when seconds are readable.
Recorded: 4,23,33
